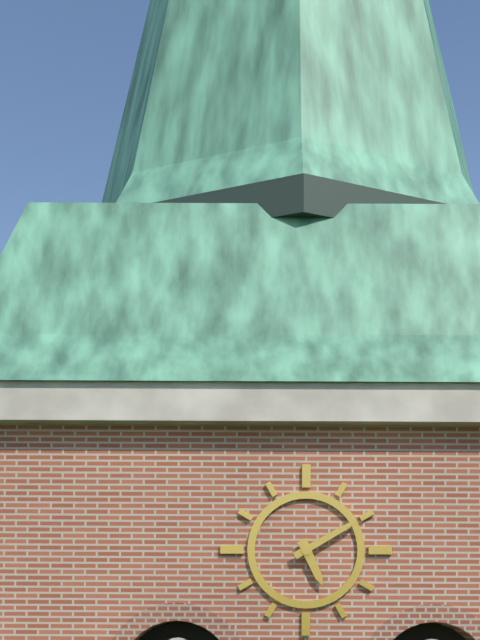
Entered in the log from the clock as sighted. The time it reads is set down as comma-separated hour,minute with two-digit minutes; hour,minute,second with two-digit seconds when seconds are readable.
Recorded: 5,10
